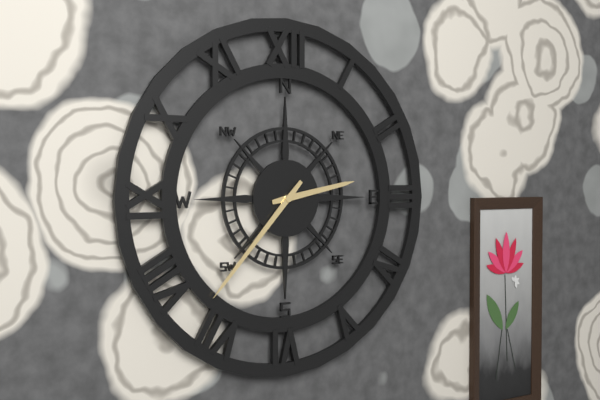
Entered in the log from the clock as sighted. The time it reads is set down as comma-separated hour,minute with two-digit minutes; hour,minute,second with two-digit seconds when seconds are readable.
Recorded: 2,37
